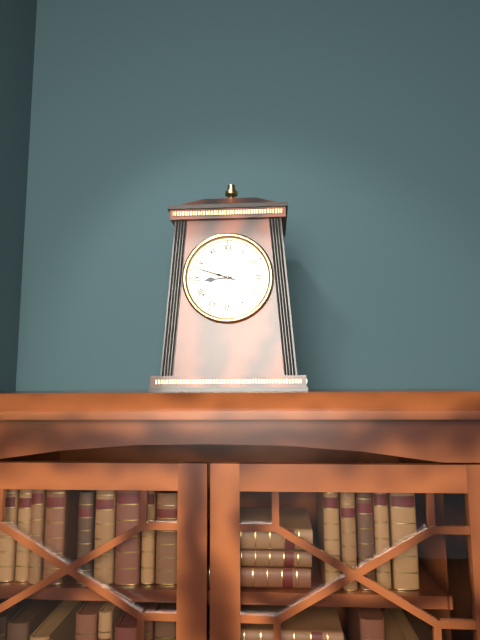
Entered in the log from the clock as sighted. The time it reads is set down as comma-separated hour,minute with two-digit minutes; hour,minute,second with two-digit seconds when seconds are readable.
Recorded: 8,48
